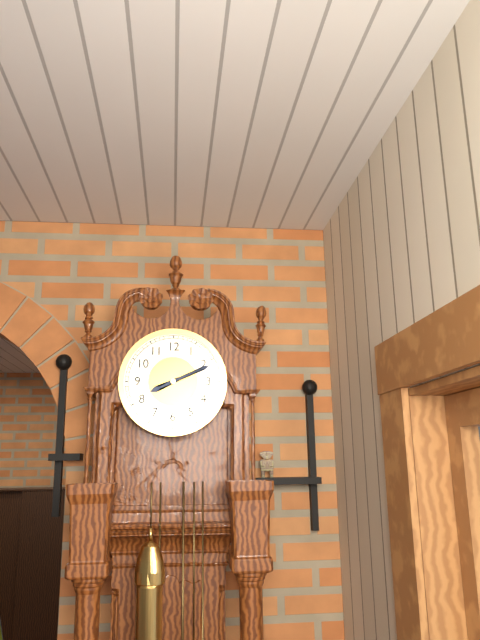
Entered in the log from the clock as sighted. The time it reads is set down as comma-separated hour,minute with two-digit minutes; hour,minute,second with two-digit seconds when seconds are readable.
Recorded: 8,11
